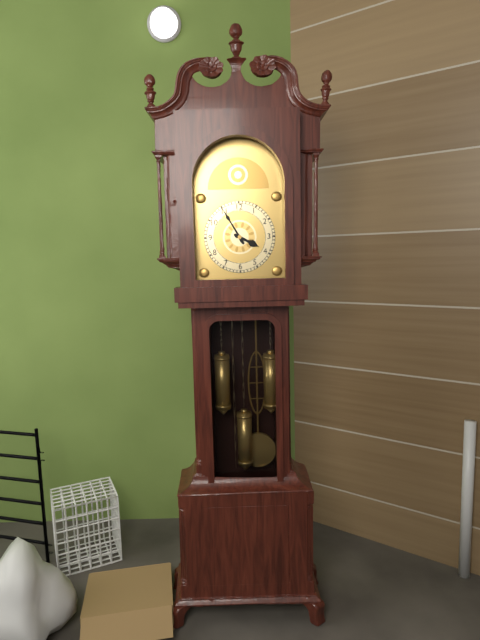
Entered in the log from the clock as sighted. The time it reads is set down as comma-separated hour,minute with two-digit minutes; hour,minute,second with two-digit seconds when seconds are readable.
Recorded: 3,55
